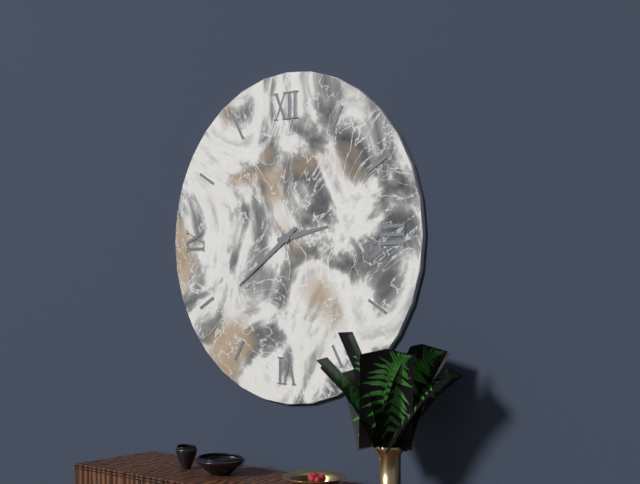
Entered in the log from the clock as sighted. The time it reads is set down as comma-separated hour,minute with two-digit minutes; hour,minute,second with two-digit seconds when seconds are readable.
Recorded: 2,39
